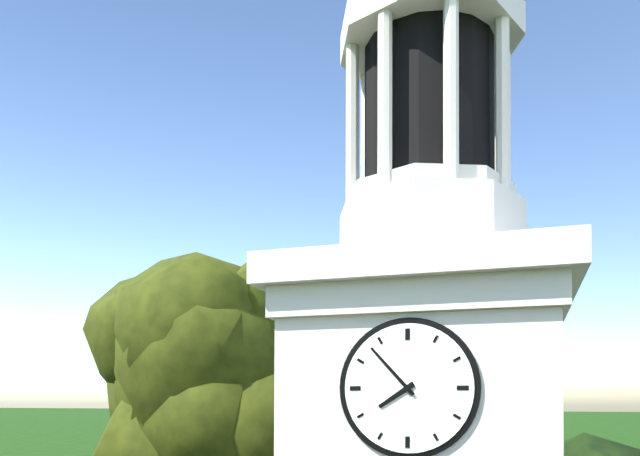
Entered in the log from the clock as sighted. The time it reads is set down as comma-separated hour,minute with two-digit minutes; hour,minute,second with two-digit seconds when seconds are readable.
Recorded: 7,53
